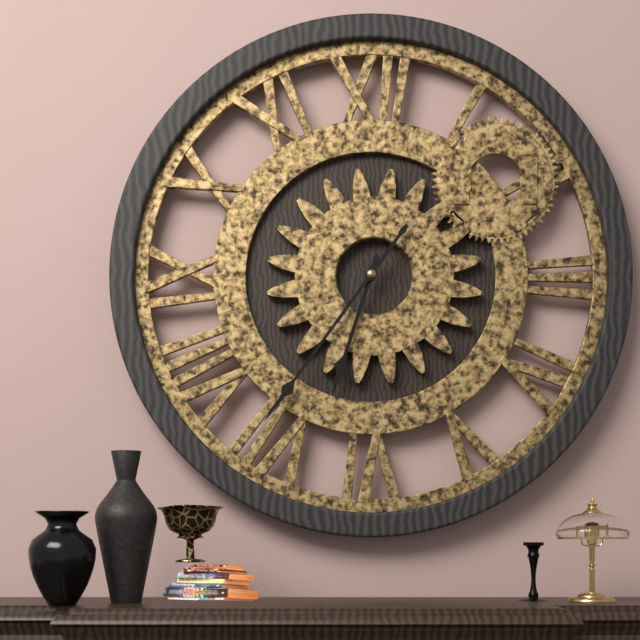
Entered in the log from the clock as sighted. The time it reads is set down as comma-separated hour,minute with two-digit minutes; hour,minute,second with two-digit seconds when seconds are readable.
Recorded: 6,36
